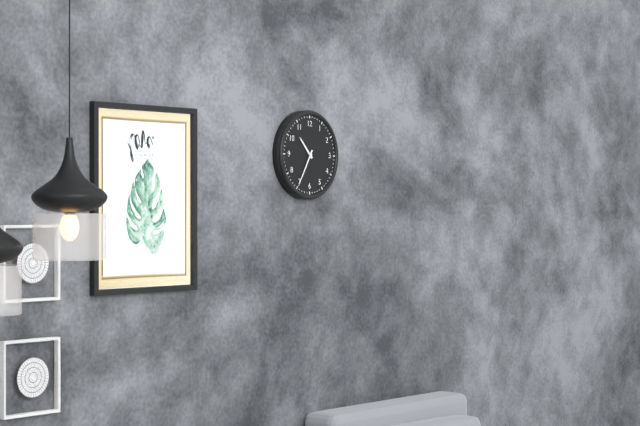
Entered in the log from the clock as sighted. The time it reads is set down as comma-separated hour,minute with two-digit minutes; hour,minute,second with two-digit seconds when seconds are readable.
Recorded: 10,35
